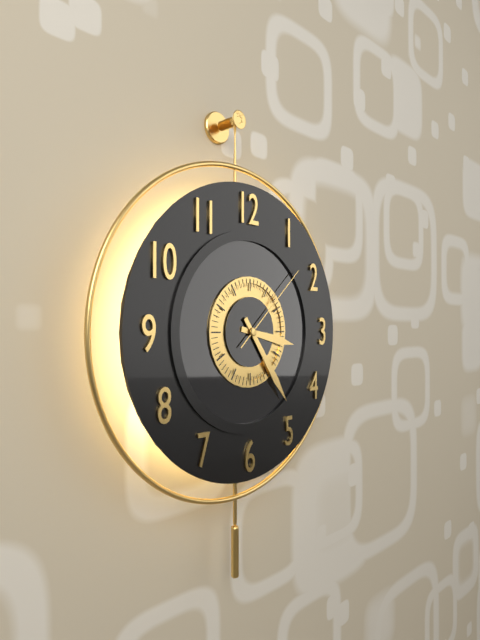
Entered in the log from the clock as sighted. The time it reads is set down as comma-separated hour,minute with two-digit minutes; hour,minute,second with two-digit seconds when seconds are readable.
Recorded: 3,24,08
